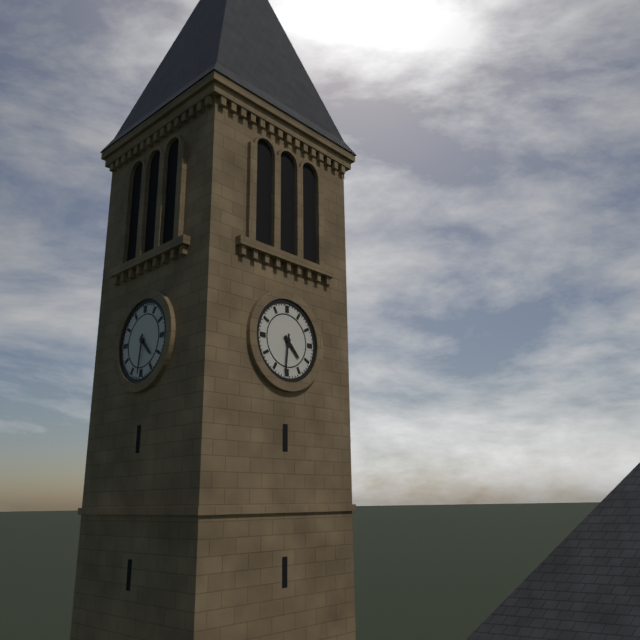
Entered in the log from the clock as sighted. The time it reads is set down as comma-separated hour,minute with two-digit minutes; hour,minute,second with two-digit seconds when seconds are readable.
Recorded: 4,31
